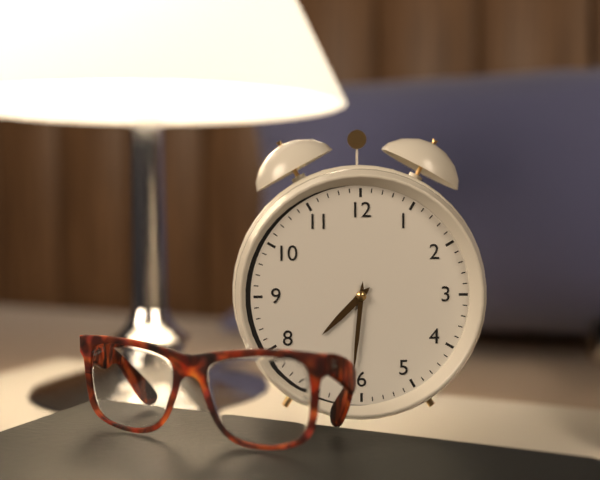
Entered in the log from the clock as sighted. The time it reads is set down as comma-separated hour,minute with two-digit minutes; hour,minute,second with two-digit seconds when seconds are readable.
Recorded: 7,31
